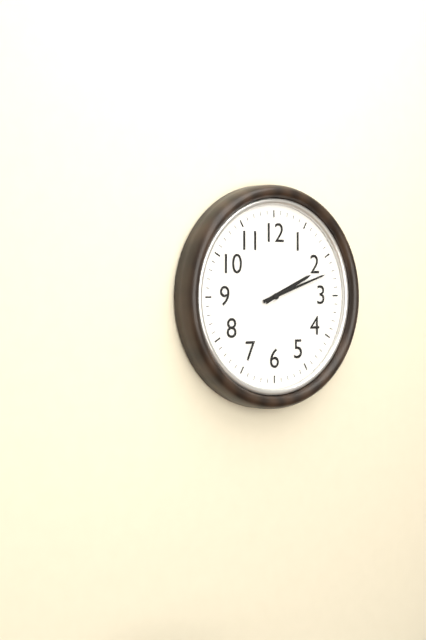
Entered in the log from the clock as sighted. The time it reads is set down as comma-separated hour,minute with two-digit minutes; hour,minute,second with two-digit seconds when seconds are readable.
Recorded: 2,12
